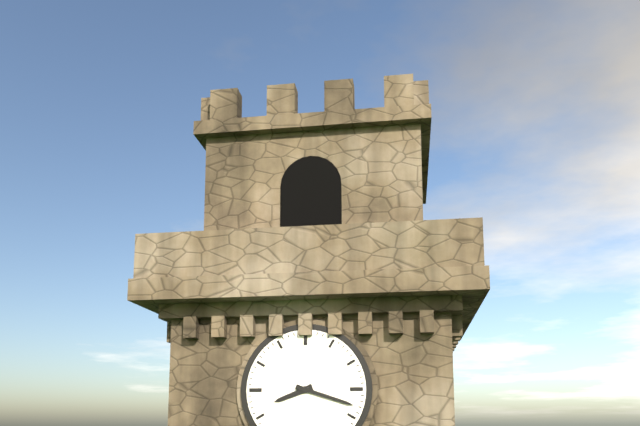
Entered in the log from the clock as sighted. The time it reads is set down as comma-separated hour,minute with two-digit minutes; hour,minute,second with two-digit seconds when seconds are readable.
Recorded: 8,18
